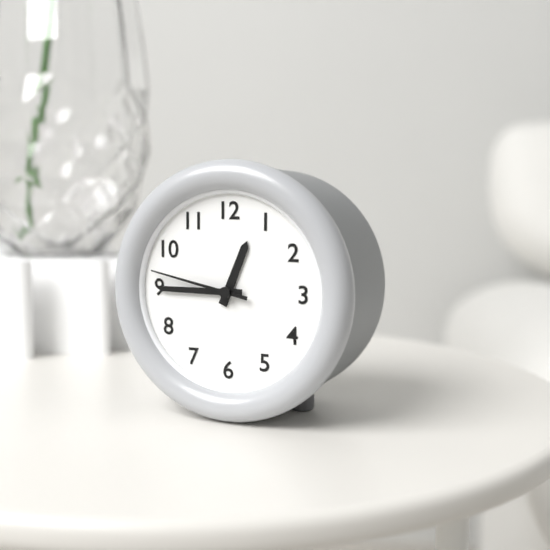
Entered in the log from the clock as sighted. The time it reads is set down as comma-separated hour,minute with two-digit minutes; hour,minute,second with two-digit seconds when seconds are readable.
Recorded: 12,45,47
